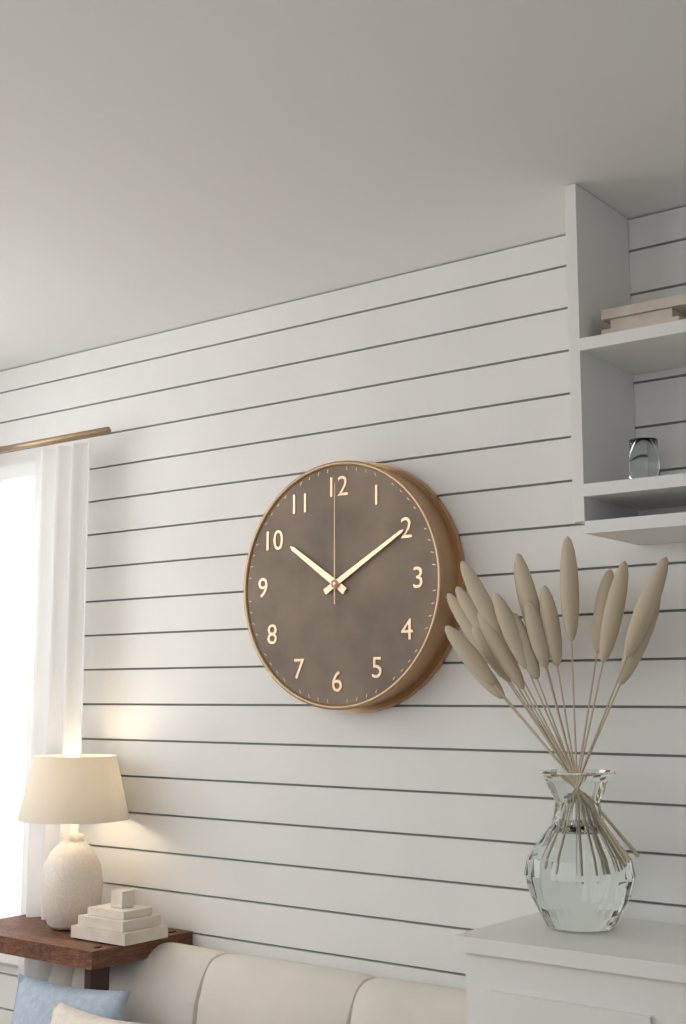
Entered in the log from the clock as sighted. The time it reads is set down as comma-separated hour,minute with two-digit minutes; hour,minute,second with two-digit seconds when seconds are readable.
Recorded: 10,10,00
